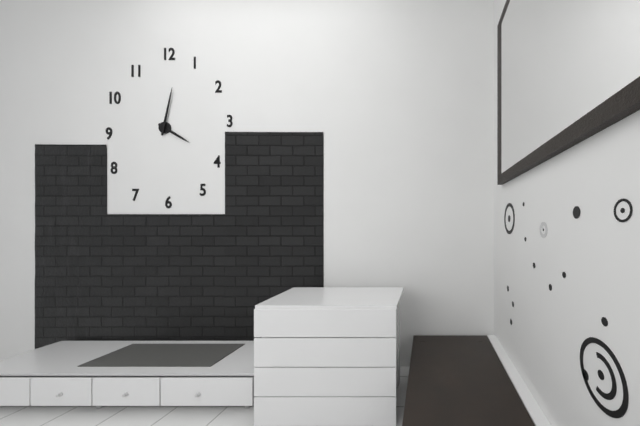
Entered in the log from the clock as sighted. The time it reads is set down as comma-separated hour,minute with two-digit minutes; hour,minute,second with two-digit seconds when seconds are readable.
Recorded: 4,02
